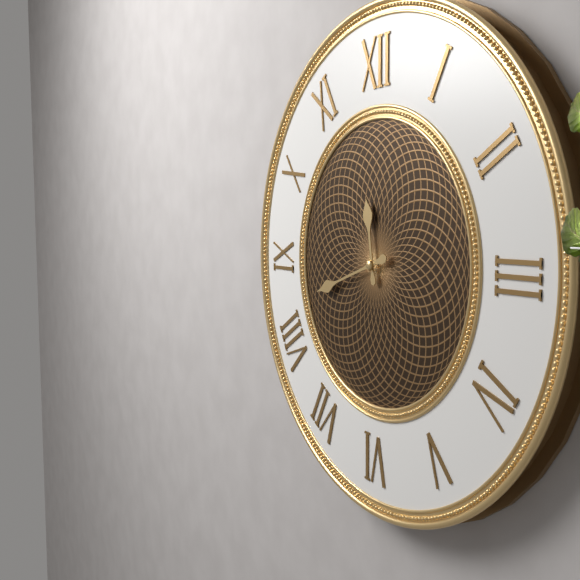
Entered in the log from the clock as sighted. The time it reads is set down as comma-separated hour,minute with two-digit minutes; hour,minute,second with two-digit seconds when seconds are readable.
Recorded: 11,42
